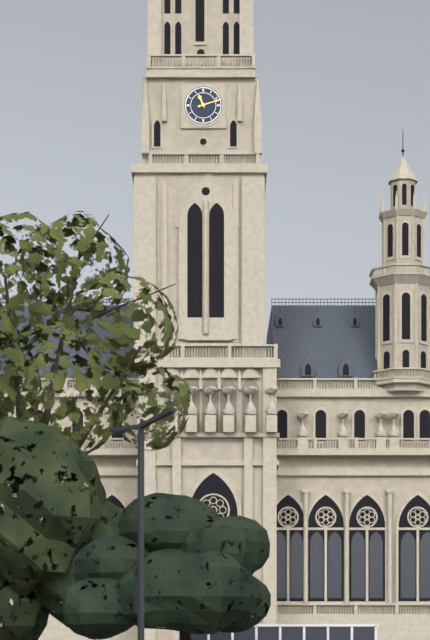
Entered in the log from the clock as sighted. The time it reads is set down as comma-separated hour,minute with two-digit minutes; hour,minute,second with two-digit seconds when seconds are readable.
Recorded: 11,12
